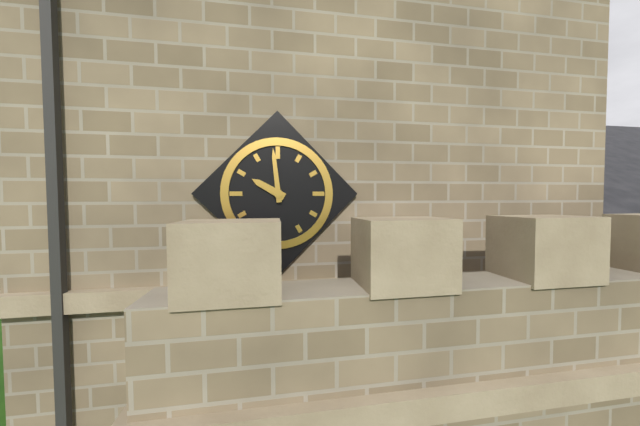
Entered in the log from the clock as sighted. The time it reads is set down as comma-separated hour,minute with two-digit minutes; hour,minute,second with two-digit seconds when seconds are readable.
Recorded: 9,59
